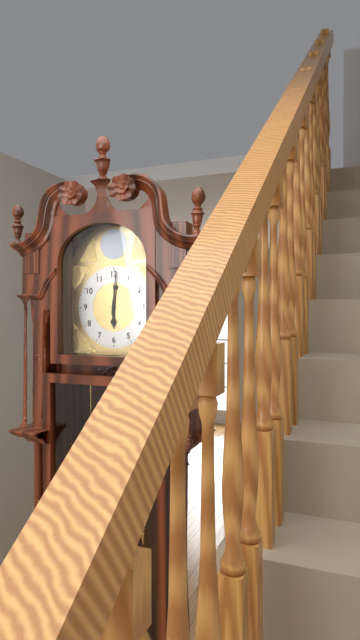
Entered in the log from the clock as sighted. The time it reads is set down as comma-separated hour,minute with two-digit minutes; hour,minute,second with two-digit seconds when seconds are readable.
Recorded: 6,01
